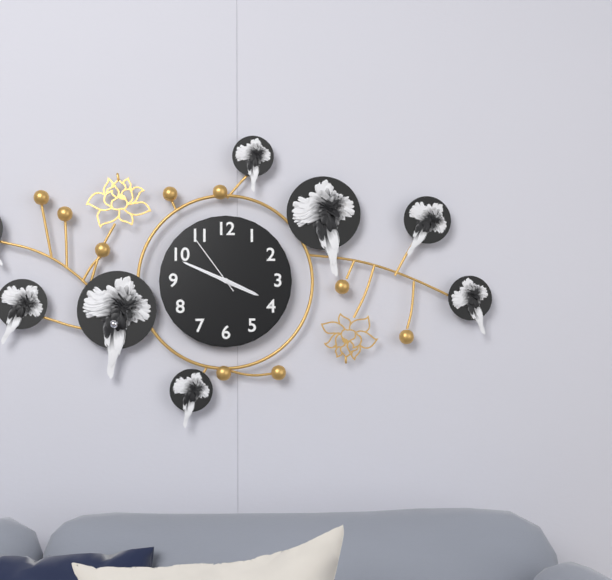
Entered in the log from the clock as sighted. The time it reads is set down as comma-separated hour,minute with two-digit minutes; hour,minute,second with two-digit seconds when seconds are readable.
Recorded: 3,49,54
